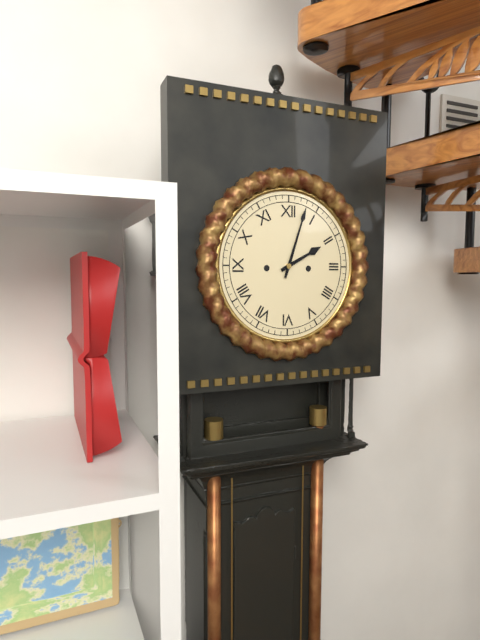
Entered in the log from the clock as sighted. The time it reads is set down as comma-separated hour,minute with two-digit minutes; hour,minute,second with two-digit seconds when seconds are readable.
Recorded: 2,03
